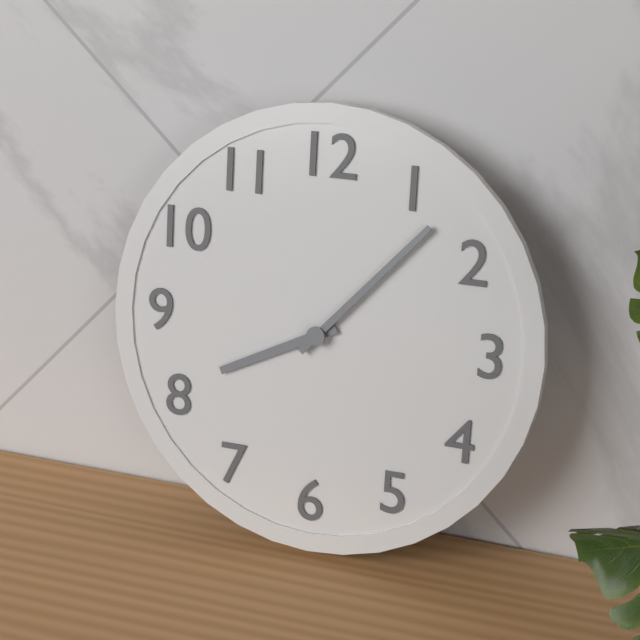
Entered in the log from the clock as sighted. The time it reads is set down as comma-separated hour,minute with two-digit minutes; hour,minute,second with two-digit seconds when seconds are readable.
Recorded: 8,07
